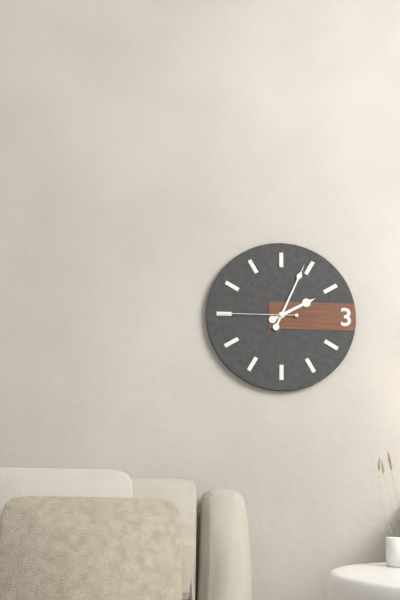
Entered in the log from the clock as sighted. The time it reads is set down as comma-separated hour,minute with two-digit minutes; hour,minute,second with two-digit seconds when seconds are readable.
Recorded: 2,04,45
